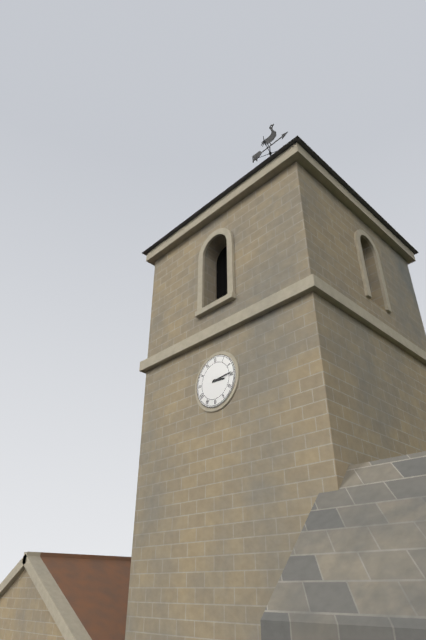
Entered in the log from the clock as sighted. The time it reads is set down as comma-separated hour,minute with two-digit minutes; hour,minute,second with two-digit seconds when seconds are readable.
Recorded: 3,14
